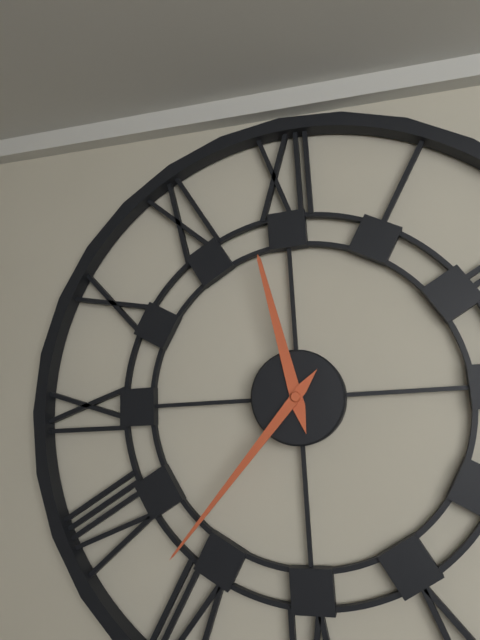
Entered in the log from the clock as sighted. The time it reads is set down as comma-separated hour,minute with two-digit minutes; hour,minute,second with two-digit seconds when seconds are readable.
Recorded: 11,37
